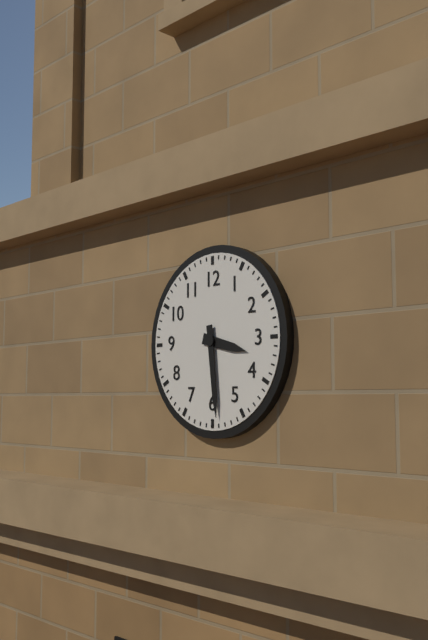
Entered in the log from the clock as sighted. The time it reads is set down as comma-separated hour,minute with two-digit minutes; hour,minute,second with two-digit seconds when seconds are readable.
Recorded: 3,29
